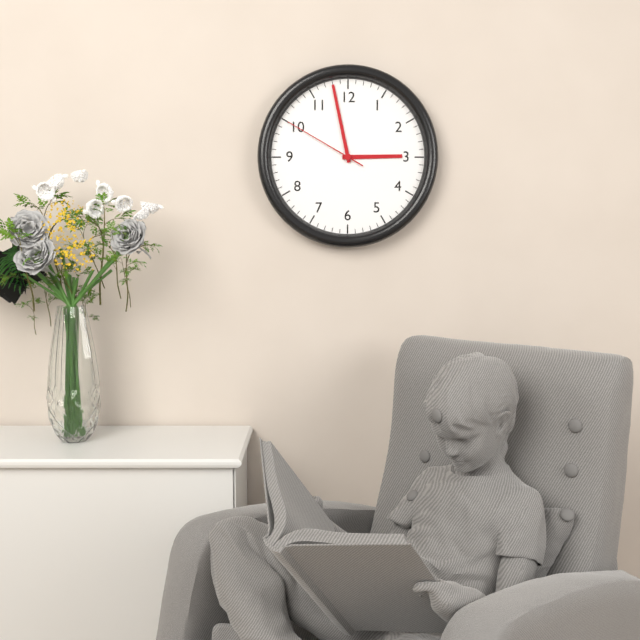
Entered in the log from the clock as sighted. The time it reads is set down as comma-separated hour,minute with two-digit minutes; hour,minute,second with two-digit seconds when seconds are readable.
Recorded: 2,58,50
